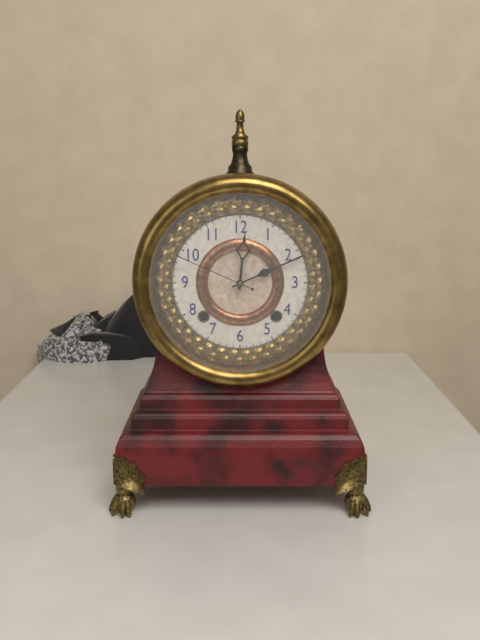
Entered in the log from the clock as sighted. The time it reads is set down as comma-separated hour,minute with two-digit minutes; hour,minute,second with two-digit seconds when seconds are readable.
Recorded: 12,11,49
